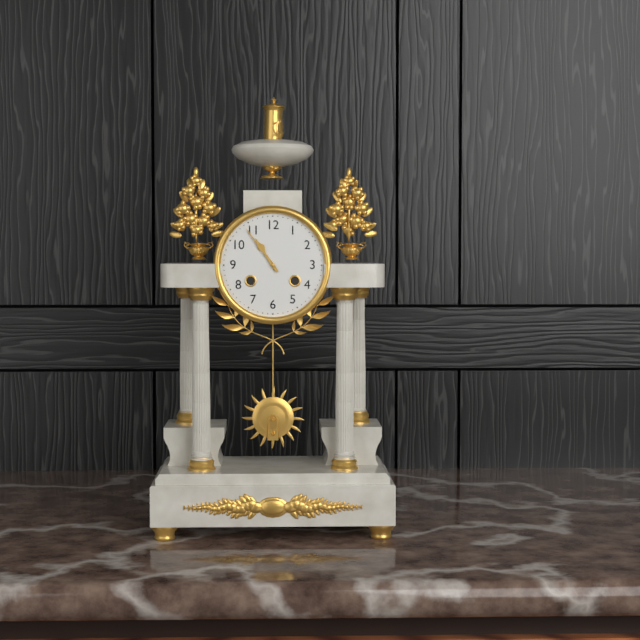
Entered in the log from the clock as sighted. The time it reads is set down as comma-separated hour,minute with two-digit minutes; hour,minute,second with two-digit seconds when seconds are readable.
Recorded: 10,54
